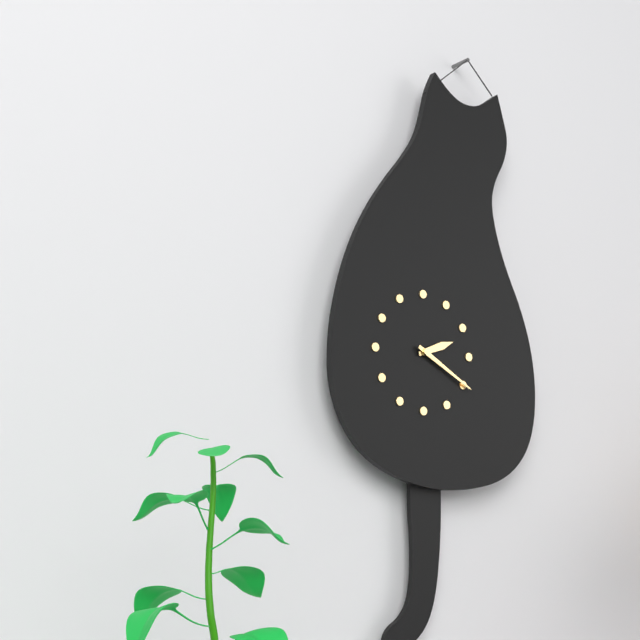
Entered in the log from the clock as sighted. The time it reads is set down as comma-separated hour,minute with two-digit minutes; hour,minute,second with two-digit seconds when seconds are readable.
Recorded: 2,20
